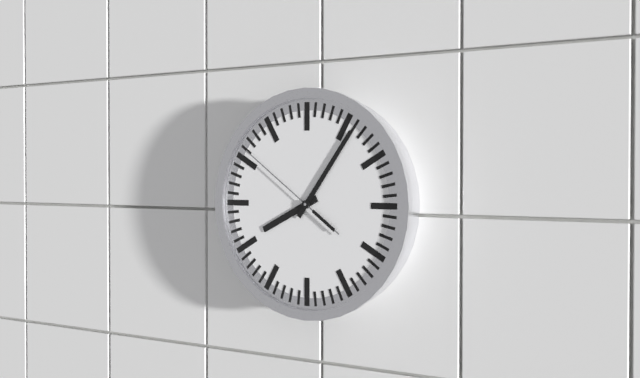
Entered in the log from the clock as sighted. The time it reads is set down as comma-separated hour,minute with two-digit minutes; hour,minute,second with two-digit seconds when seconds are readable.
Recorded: 8,06,51
